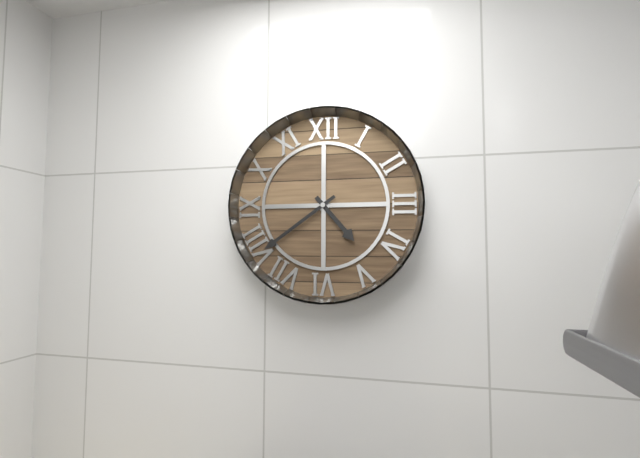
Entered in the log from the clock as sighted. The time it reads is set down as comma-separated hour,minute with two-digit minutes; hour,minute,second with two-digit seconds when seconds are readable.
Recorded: 4,39
